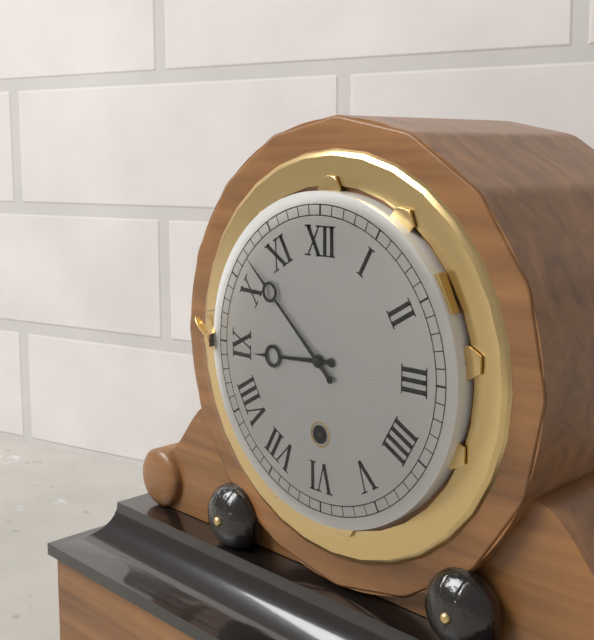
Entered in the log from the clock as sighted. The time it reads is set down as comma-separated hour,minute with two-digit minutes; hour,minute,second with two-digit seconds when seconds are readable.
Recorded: 8,52
